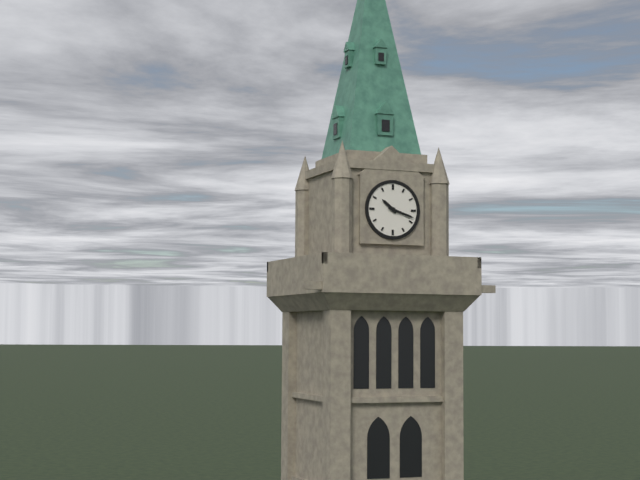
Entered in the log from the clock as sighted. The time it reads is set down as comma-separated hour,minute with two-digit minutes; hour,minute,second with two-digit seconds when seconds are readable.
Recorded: 10,18
